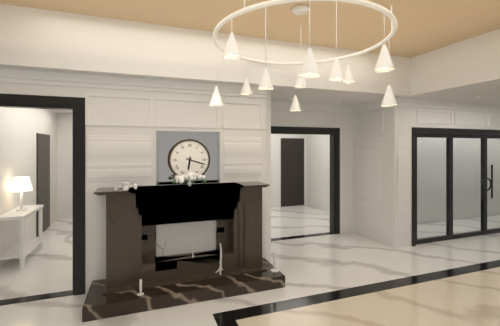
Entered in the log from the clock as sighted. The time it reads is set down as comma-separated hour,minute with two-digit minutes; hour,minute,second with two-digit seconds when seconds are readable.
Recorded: 6,18
